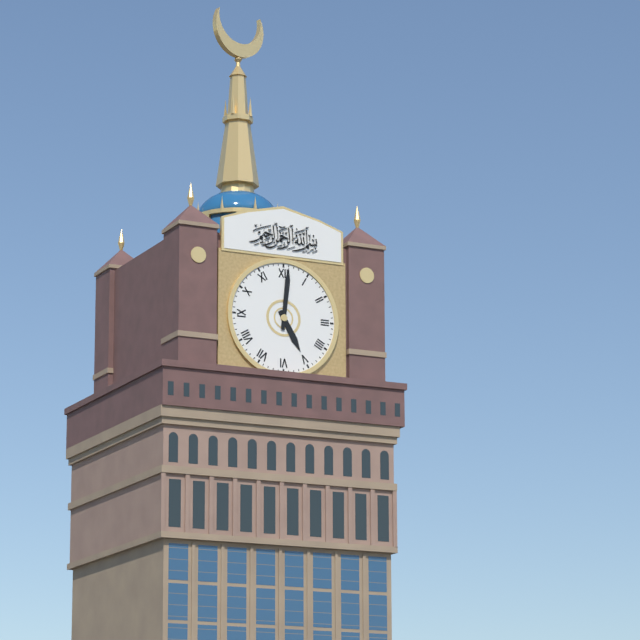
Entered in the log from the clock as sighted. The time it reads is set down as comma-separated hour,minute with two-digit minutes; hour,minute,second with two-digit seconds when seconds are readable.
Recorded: 5,01
